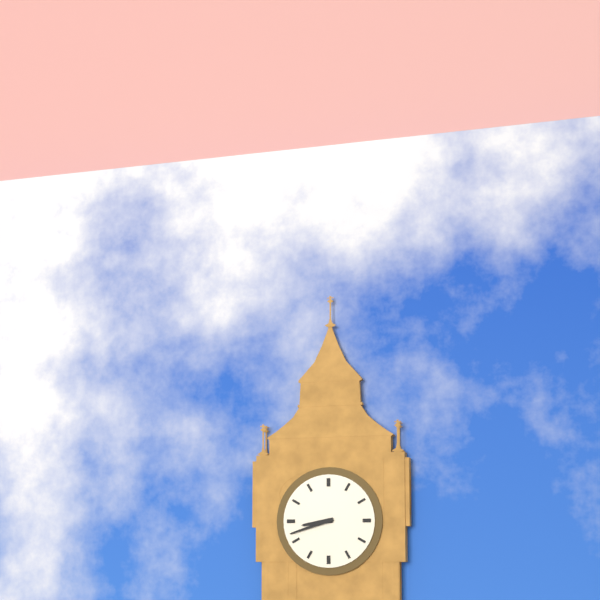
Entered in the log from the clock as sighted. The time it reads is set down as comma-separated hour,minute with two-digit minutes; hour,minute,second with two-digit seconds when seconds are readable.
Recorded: 8,42
